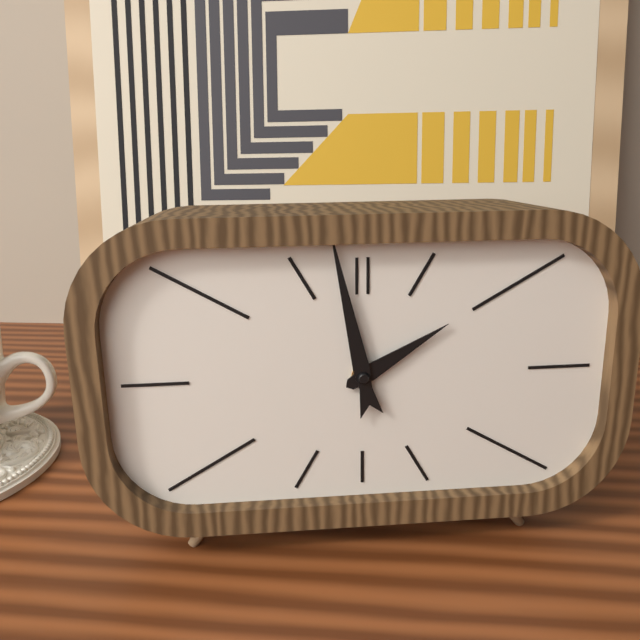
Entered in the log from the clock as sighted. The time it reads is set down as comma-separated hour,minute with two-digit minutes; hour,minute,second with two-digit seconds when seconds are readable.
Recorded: 1,58
